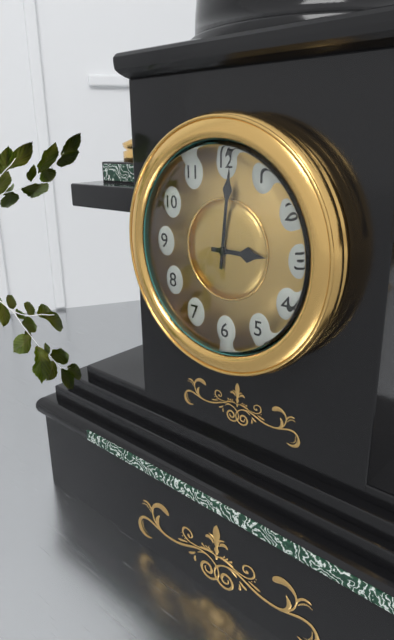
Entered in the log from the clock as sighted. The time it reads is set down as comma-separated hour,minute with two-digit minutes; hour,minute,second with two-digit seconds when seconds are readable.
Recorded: 3,01
